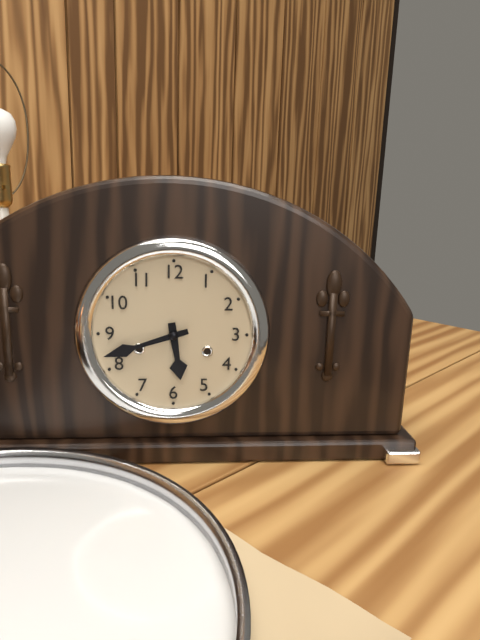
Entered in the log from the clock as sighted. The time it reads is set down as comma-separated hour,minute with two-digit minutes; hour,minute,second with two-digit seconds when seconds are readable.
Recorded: 5,42
